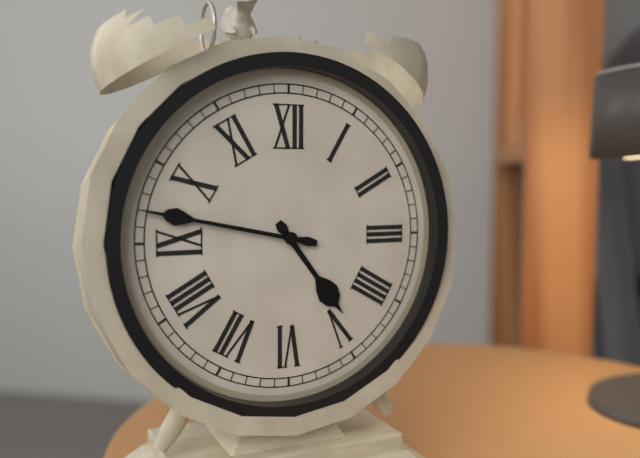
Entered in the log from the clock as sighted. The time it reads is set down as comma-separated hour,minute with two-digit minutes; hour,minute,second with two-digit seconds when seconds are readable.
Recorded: 4,47
